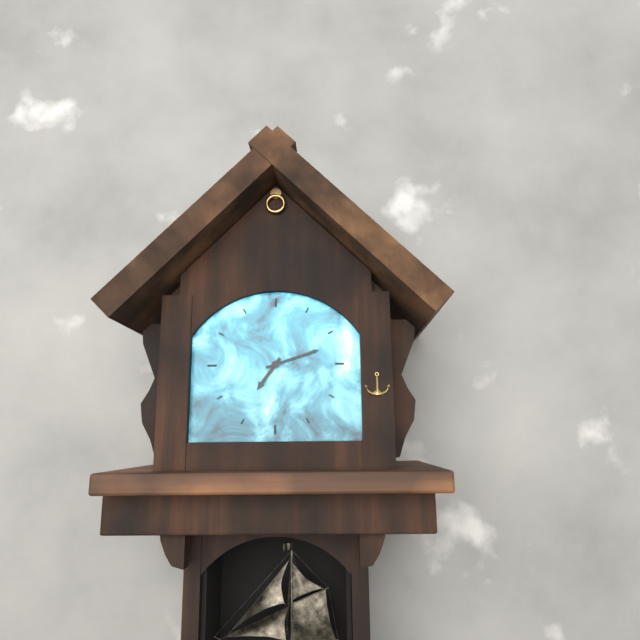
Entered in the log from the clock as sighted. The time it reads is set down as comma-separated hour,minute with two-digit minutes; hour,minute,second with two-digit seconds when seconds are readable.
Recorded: 7,12
